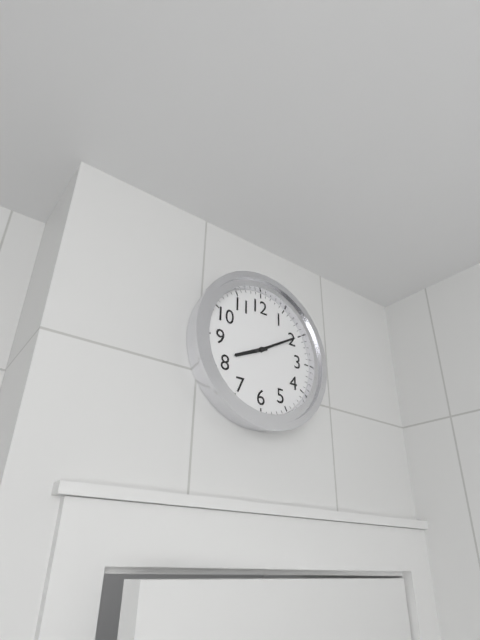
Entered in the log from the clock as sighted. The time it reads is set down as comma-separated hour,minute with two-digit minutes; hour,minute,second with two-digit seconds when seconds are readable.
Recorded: 8,10
